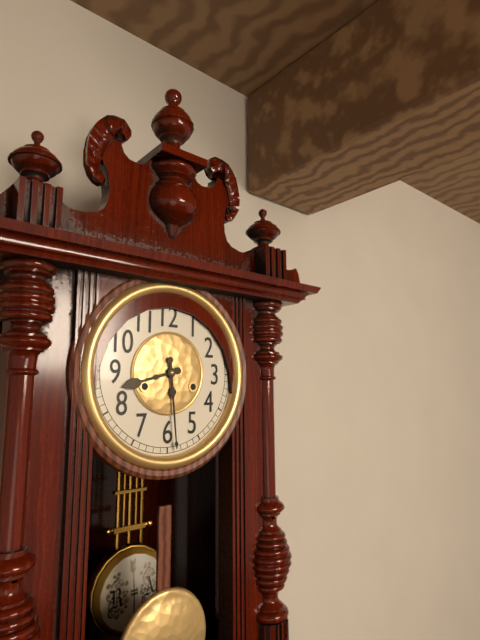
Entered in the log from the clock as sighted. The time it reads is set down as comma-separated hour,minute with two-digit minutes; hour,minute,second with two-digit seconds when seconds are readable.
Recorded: 8,29
